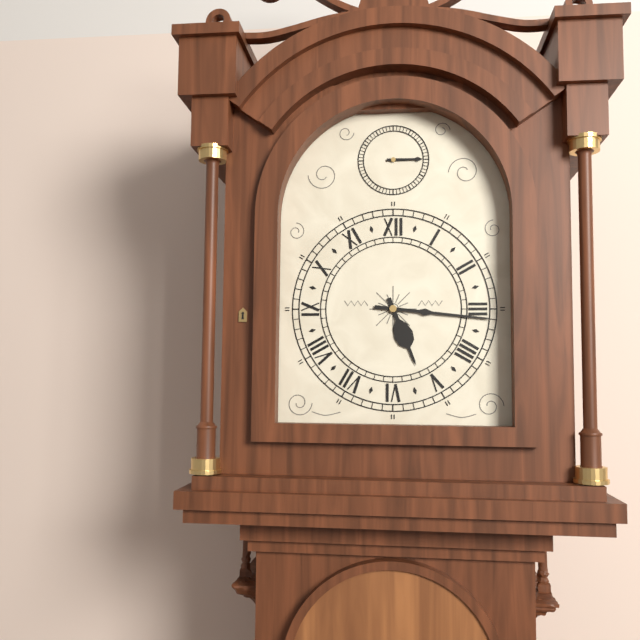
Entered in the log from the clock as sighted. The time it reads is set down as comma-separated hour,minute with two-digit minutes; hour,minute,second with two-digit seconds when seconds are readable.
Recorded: 5,16
